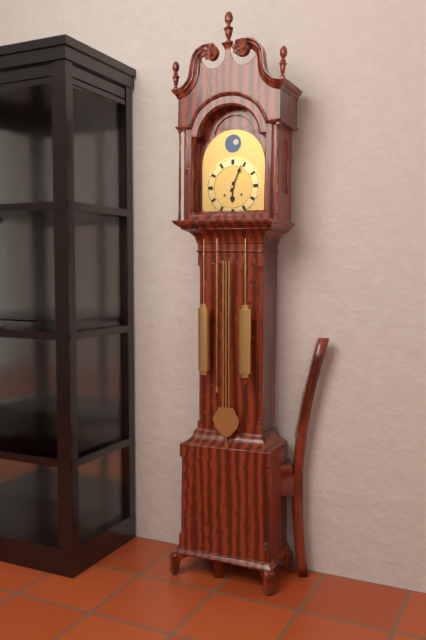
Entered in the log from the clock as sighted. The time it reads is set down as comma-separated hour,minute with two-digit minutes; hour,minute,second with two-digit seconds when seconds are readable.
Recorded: 6,04
